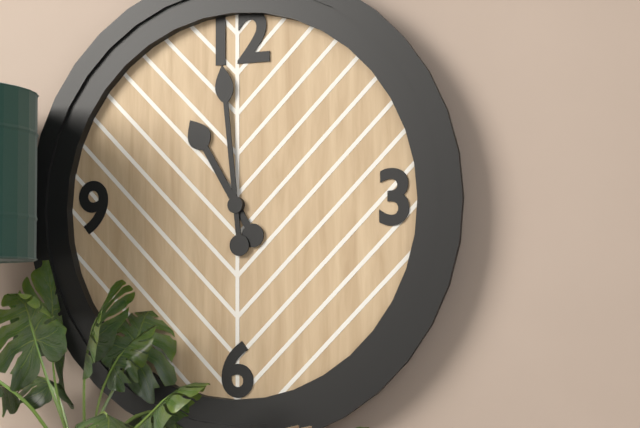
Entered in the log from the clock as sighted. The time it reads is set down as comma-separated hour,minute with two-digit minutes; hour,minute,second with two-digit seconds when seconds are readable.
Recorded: 10,59
